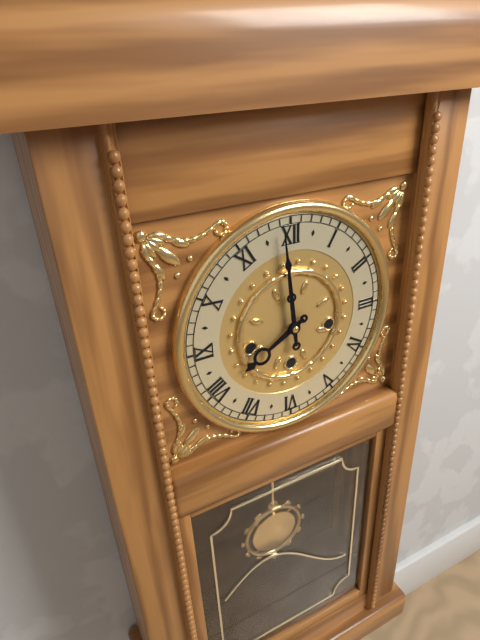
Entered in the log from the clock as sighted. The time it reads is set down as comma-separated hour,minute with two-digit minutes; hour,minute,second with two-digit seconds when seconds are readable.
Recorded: 7,59
